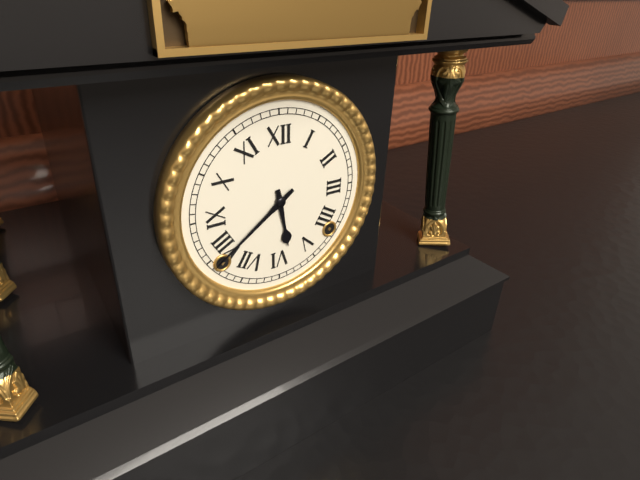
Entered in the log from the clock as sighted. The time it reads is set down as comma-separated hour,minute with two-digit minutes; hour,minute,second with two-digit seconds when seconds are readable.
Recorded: 5,39
